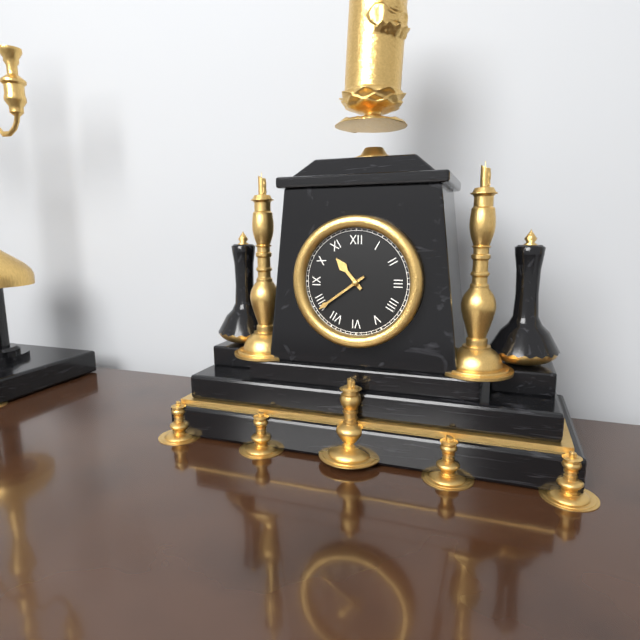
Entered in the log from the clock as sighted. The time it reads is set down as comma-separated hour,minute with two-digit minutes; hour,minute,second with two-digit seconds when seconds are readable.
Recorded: 10,39
